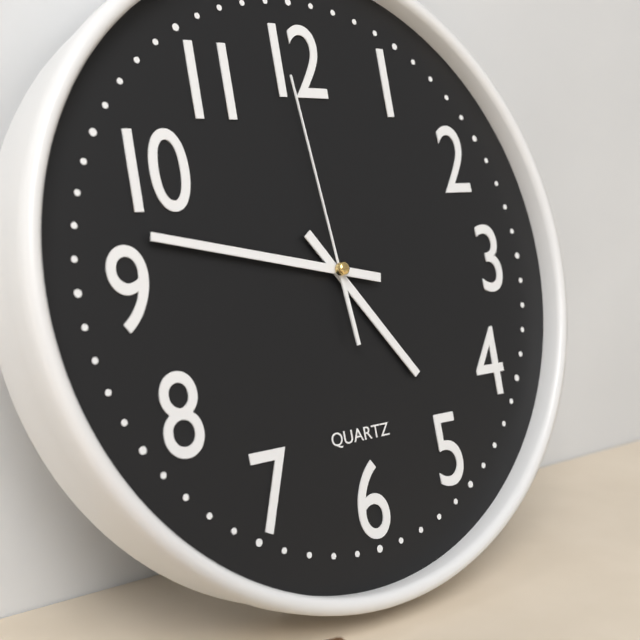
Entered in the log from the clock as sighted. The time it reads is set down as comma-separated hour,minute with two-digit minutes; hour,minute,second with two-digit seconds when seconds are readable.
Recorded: 4,47,59
